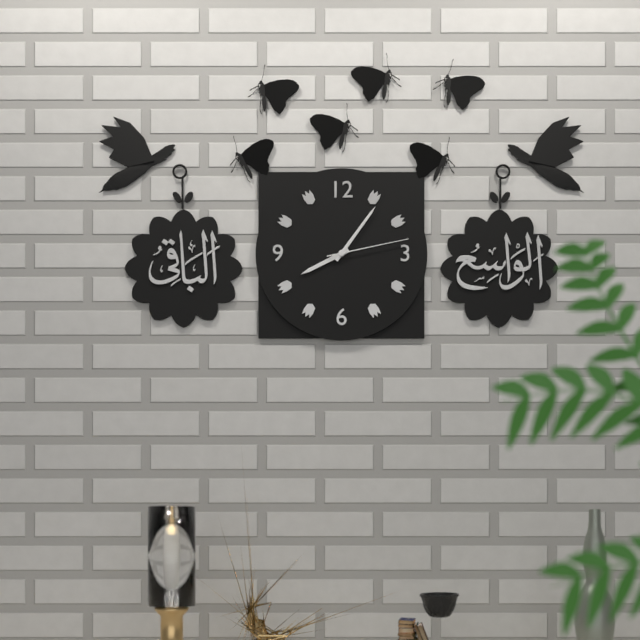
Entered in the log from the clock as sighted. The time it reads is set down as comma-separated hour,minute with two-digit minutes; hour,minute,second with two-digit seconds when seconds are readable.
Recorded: 8,06,13
